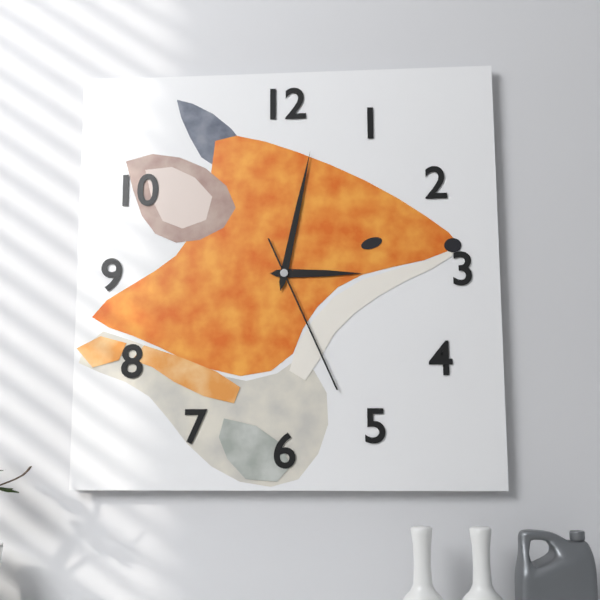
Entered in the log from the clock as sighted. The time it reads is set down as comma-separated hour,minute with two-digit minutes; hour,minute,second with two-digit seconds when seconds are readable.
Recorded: 3,02,26
